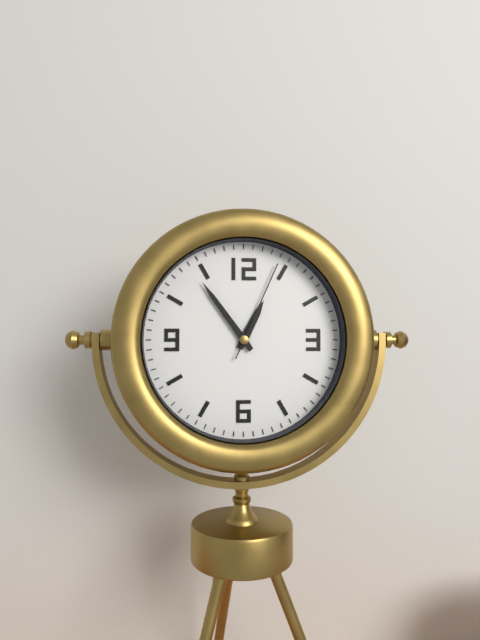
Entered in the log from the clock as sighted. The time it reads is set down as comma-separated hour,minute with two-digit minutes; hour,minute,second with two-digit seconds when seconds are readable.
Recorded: 12,54,04
